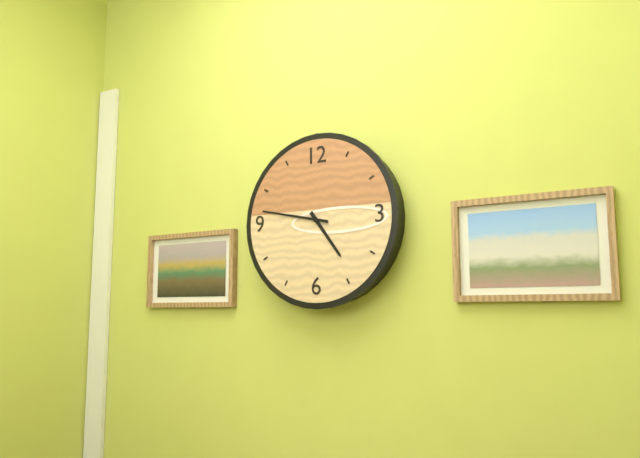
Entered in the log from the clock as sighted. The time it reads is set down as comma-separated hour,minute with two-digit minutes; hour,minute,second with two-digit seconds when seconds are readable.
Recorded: 4,47
